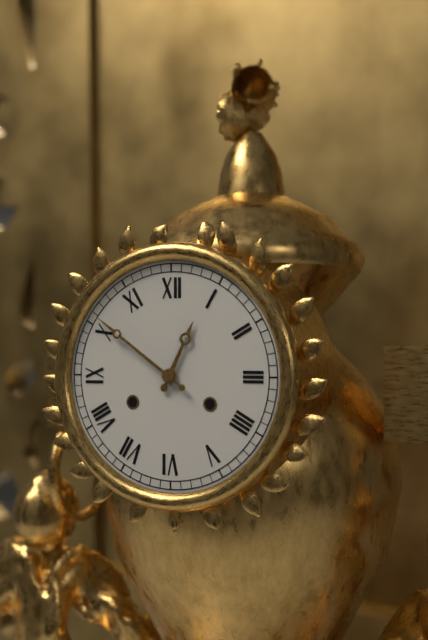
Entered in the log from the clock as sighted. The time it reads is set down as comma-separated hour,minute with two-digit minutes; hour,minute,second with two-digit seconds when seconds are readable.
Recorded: 12,51
